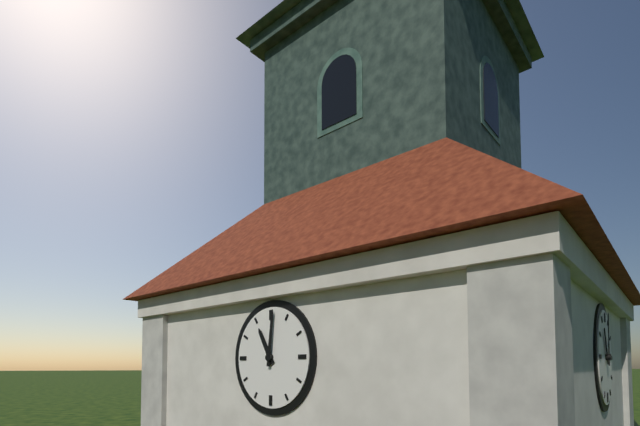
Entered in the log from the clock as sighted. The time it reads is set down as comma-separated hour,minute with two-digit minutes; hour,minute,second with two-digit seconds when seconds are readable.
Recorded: 11,01
